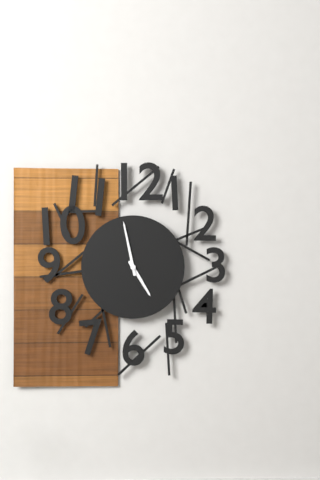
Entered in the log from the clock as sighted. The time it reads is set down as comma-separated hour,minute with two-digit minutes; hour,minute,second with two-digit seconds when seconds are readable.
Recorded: 4,58
